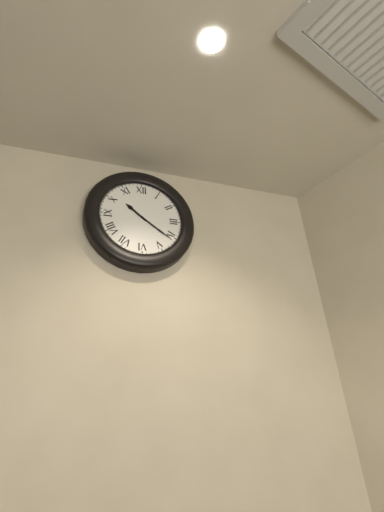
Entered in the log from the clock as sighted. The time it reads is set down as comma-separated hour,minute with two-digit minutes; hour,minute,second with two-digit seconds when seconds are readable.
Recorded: 10,21
